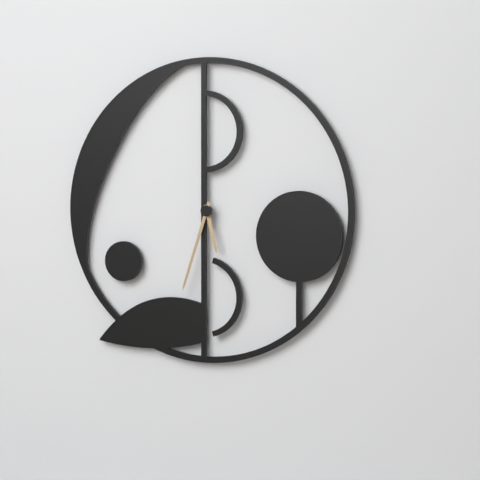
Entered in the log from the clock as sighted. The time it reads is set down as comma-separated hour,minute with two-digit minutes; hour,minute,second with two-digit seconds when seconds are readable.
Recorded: 5,33
